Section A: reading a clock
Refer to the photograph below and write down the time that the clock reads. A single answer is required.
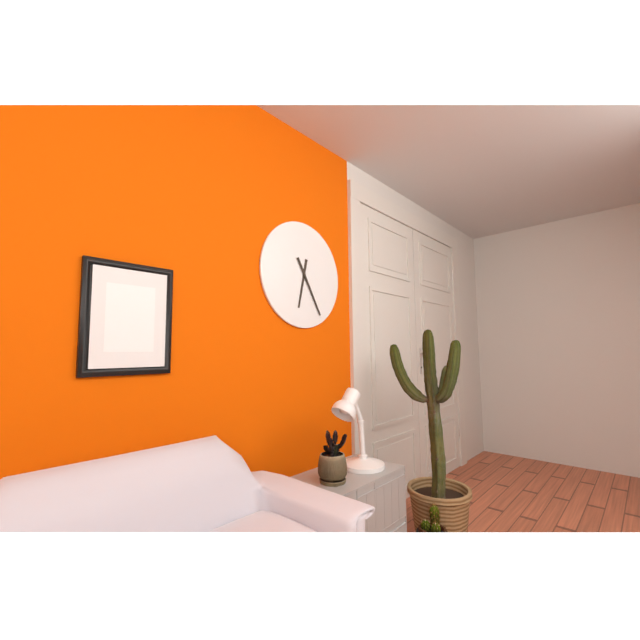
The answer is 6:25
